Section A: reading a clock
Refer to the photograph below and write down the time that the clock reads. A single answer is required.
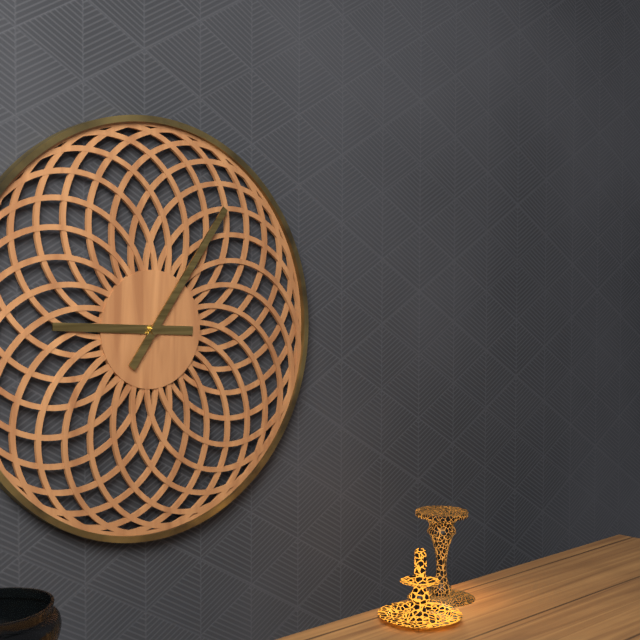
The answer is 9:06
